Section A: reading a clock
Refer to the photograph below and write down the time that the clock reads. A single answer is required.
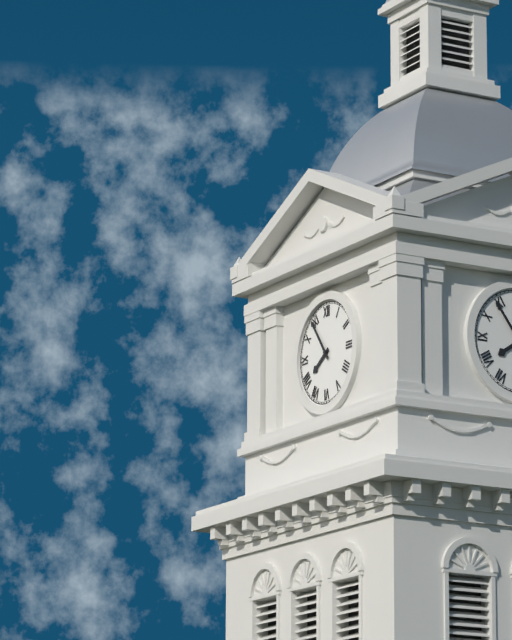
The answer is 7:54
